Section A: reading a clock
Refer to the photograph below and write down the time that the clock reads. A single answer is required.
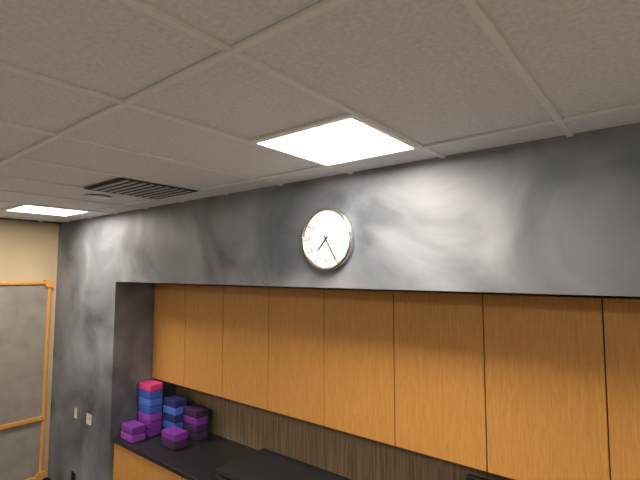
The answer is 7:25
